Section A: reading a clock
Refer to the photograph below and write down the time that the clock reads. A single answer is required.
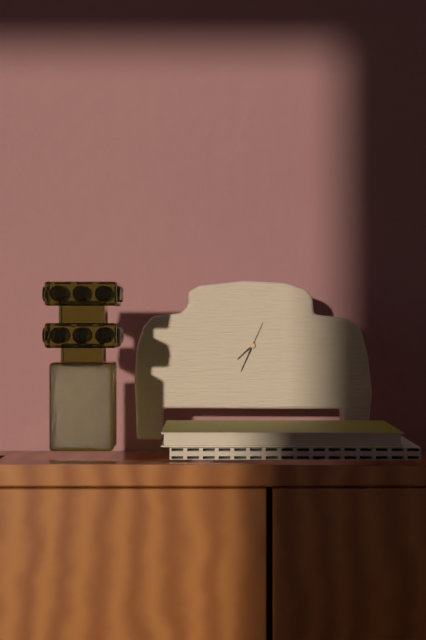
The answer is 7:34
